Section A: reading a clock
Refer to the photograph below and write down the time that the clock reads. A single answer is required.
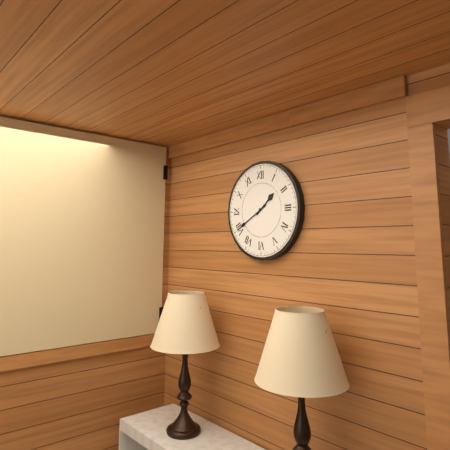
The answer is 1:40
